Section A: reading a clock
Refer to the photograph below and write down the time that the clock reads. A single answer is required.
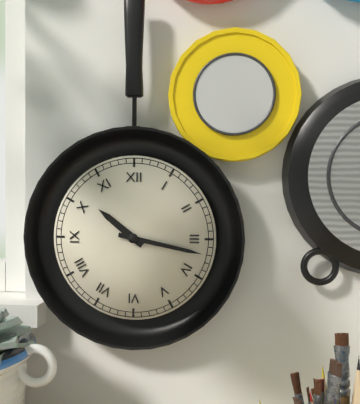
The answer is 10:17
